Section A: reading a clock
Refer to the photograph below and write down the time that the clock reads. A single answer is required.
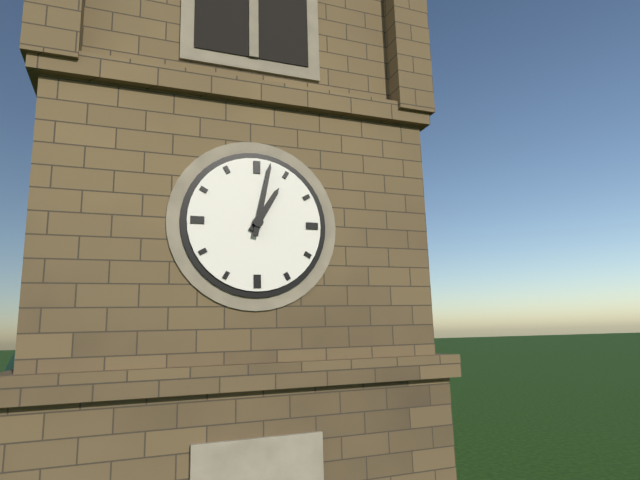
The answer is 1:02
